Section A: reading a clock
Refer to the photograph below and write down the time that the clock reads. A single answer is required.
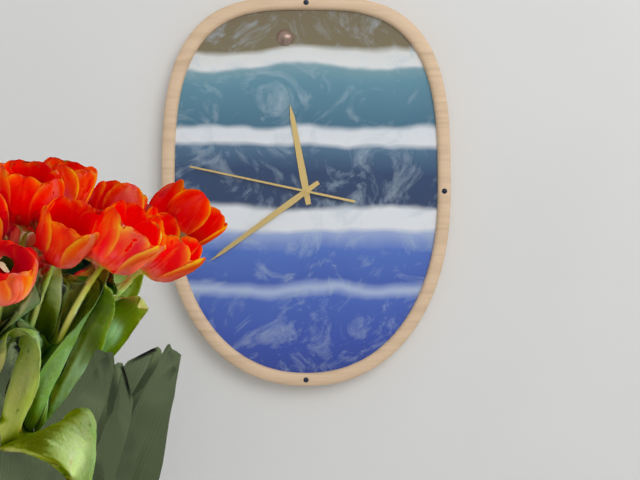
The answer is 11:39:47
